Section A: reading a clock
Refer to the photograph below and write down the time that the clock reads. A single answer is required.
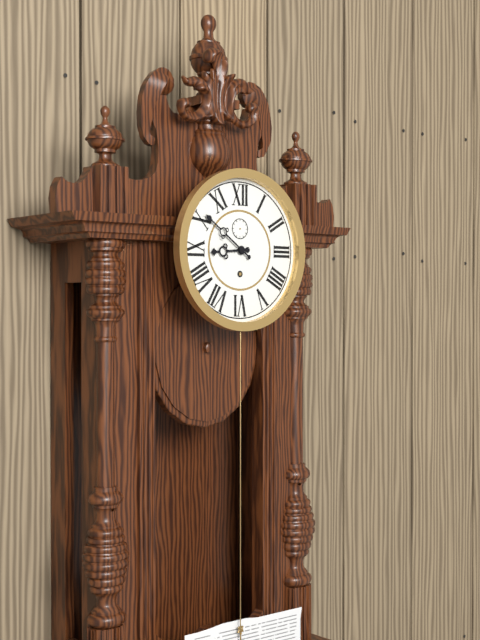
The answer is 8:51
